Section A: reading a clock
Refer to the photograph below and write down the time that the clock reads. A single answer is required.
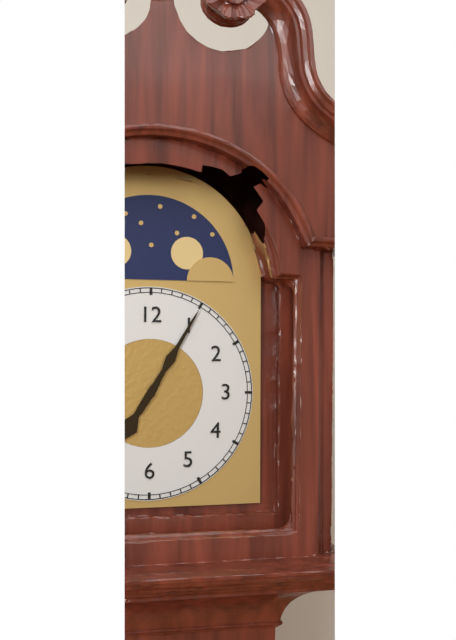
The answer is 7:05
